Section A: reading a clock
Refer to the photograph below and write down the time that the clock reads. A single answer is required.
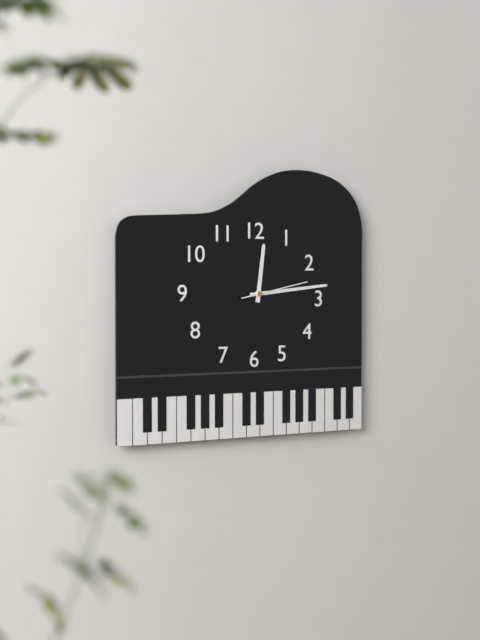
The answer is 12:14:13
